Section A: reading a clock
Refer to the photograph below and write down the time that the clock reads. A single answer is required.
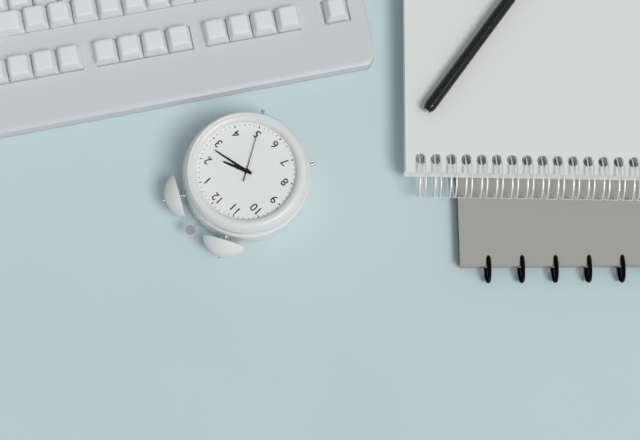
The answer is 2:13:25
